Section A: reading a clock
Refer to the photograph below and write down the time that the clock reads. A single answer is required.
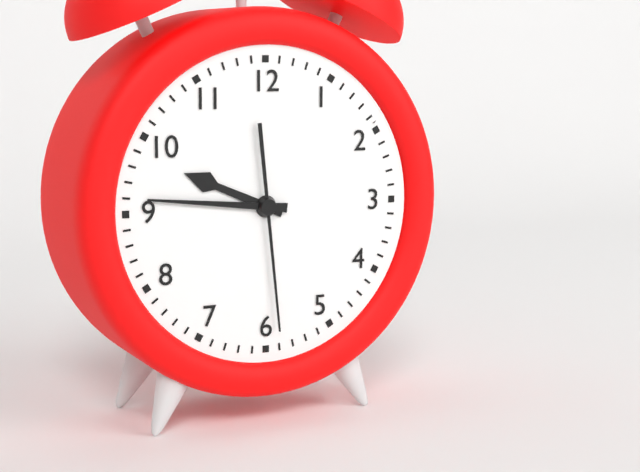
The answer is 9:46:29
